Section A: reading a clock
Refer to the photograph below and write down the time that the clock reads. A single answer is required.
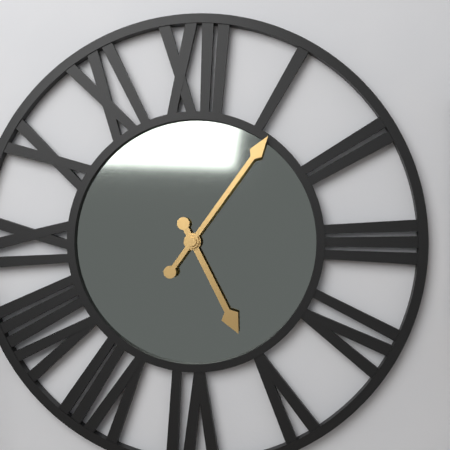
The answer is 5:06
